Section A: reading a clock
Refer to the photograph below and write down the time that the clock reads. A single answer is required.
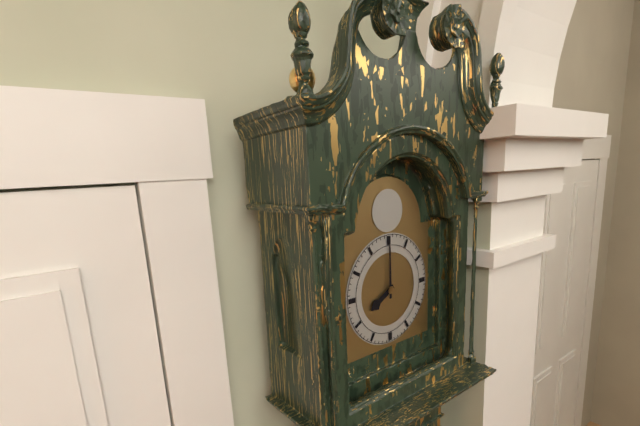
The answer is 8:00
